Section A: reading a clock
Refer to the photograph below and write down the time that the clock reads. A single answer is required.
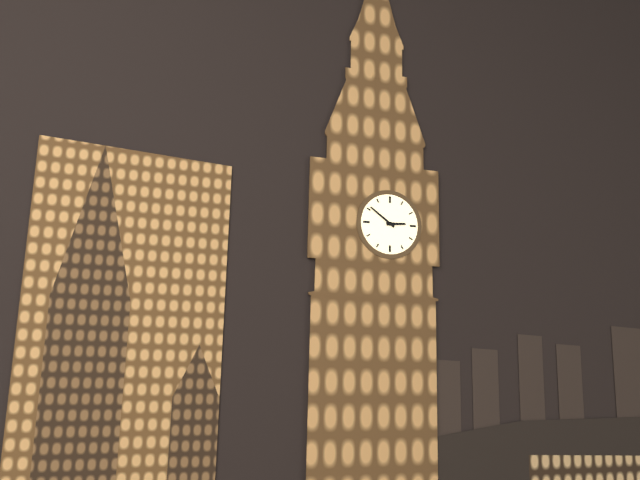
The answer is 2:51
